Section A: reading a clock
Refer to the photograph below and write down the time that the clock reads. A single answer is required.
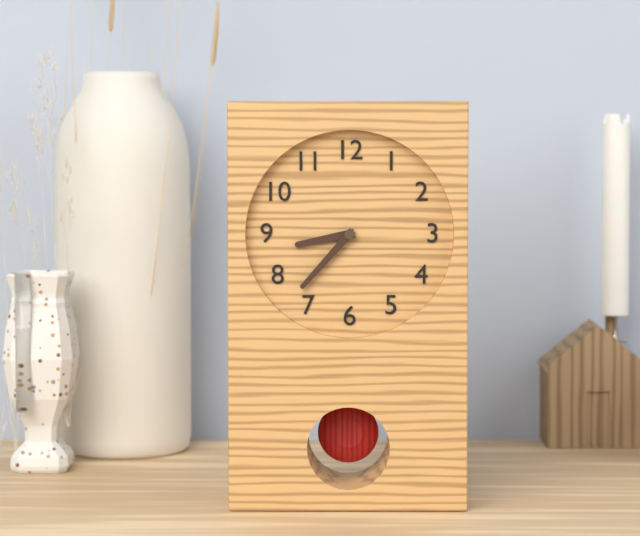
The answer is 8:37
